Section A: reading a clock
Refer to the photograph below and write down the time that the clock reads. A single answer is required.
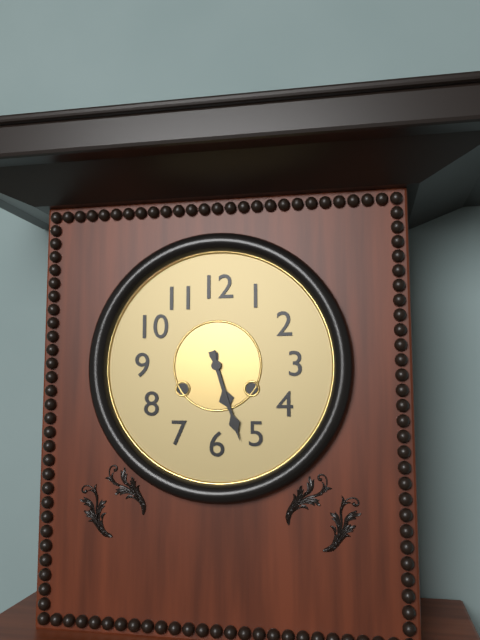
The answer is 5:27
